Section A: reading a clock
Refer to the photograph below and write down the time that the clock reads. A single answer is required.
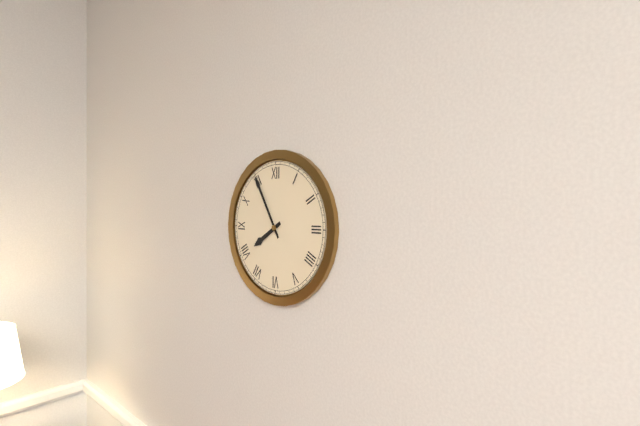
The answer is 7:55
